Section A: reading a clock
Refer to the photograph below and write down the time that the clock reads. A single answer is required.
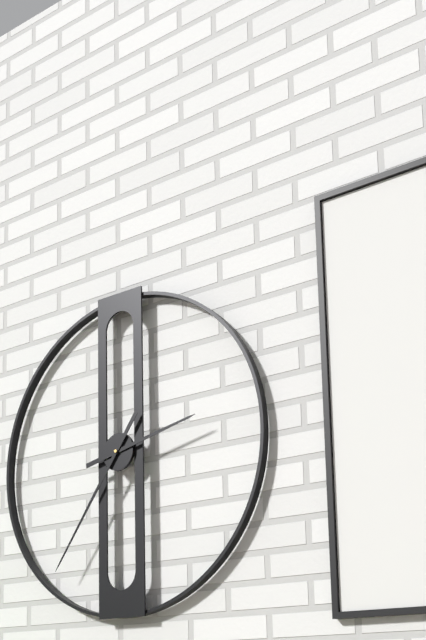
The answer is 2:36
